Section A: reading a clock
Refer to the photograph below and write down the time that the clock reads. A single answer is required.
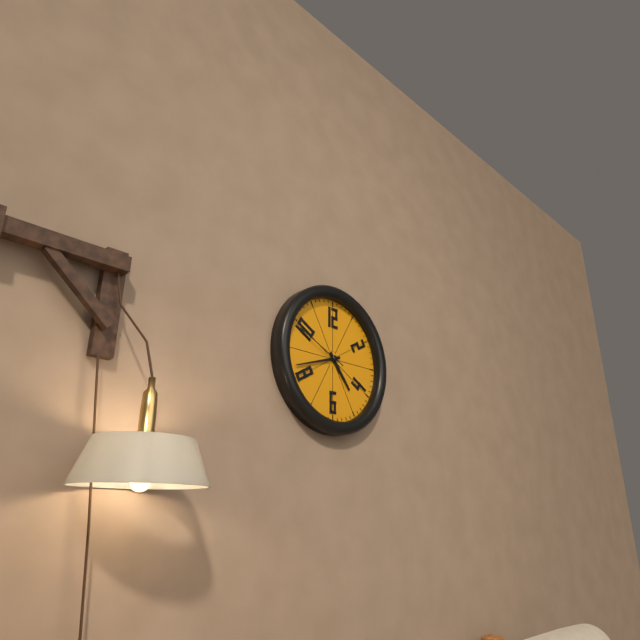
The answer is 4:42:49
